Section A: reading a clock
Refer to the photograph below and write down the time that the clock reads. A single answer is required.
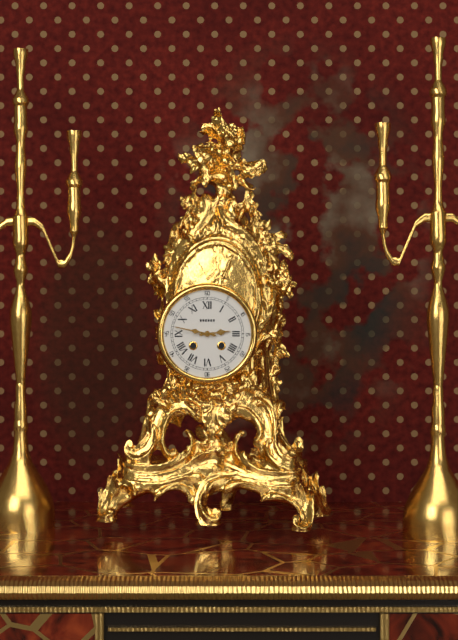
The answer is 2:47
